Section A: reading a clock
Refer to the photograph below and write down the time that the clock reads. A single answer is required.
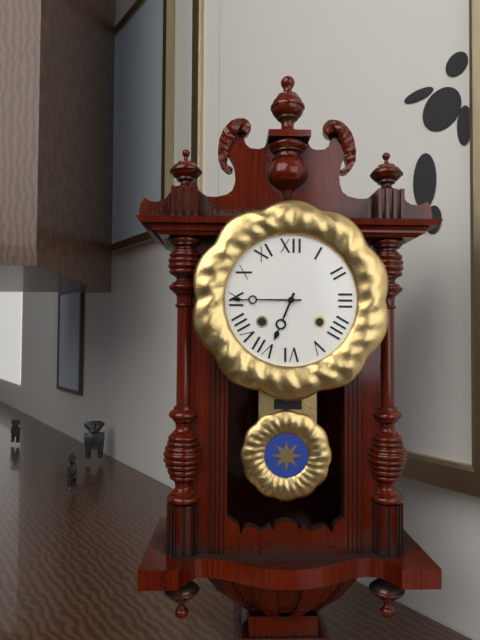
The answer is 6:45
